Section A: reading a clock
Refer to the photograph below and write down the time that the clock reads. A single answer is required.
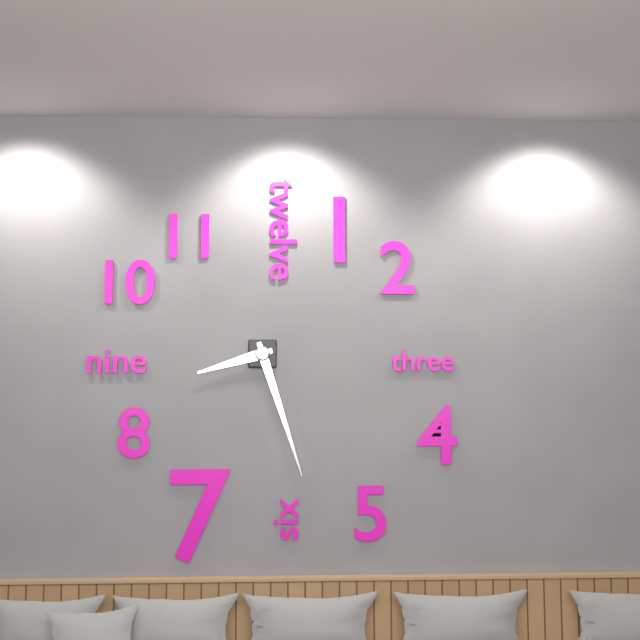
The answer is 8:27
